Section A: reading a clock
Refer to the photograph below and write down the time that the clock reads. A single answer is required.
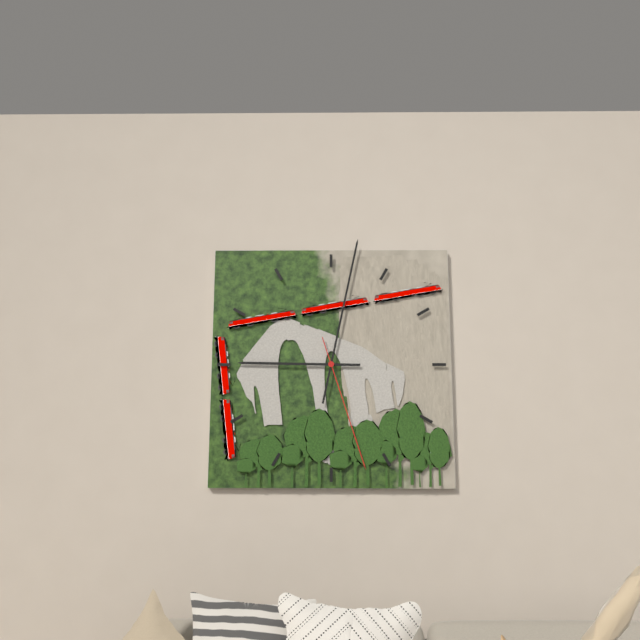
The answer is 9:02:27
